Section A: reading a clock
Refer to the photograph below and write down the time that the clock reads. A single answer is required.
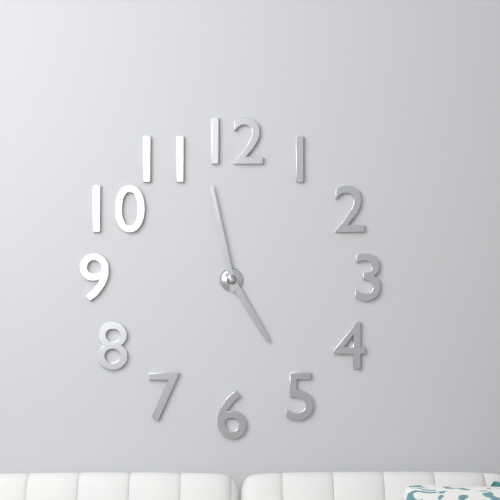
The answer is 4:58
